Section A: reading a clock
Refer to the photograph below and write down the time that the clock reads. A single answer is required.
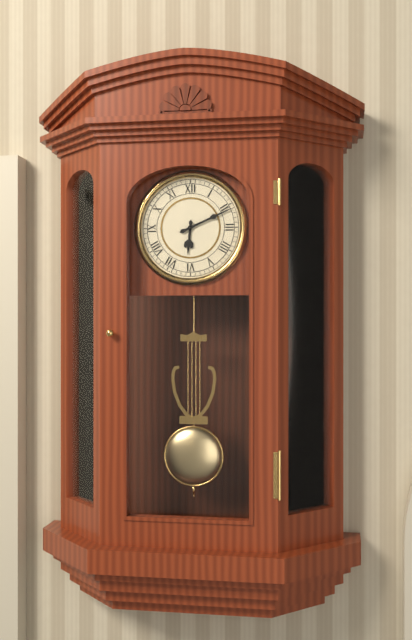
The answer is 6:11
